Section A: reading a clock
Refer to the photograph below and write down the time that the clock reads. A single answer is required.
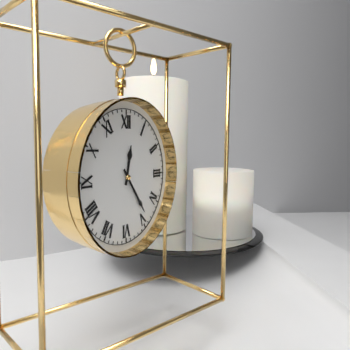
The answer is 12:24
